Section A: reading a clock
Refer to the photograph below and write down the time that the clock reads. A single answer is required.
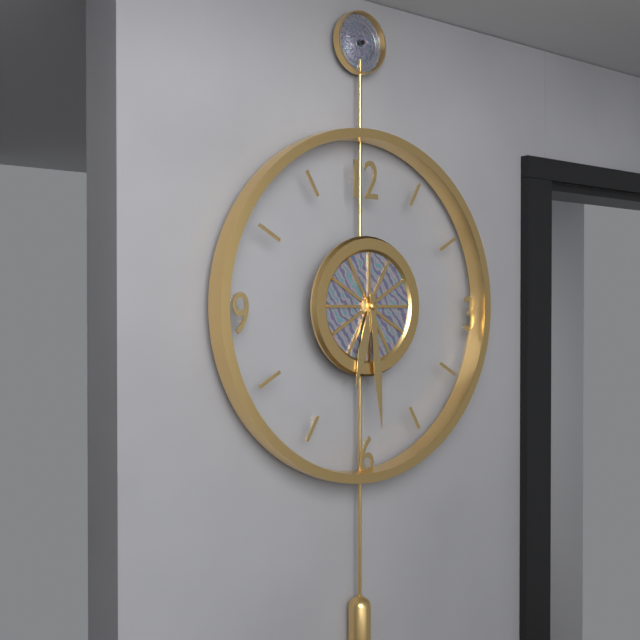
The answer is 6:29
